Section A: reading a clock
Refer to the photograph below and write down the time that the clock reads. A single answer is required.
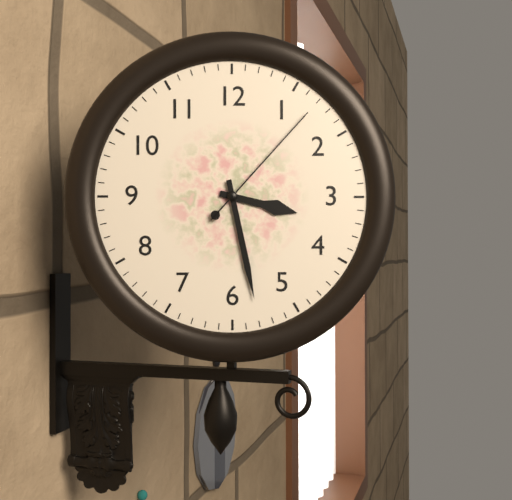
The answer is 3:28:07
